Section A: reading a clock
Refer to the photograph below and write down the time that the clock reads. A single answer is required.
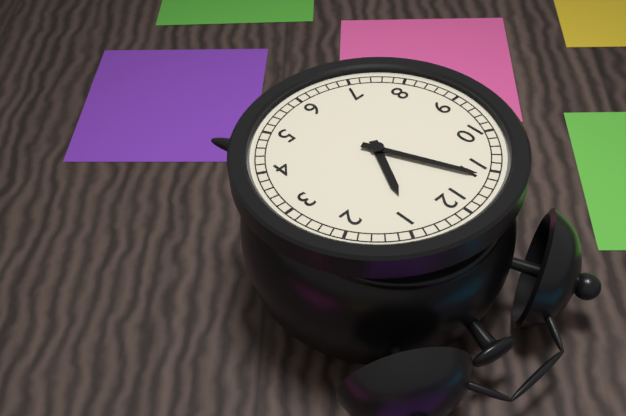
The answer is 12:56
